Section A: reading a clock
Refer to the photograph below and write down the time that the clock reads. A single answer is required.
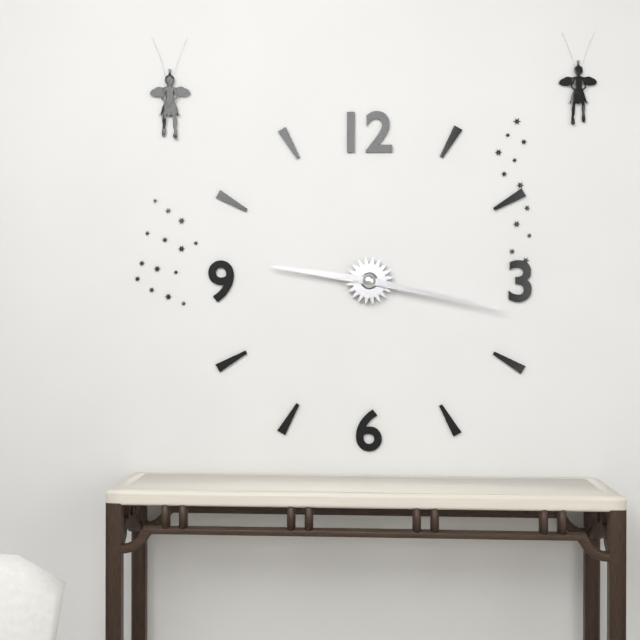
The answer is 9:17
